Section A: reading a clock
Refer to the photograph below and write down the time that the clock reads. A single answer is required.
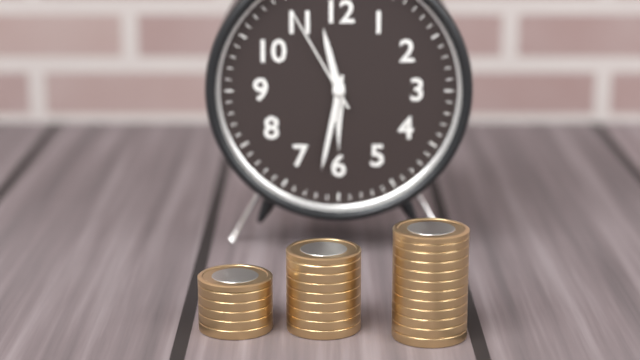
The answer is 11:32:55
